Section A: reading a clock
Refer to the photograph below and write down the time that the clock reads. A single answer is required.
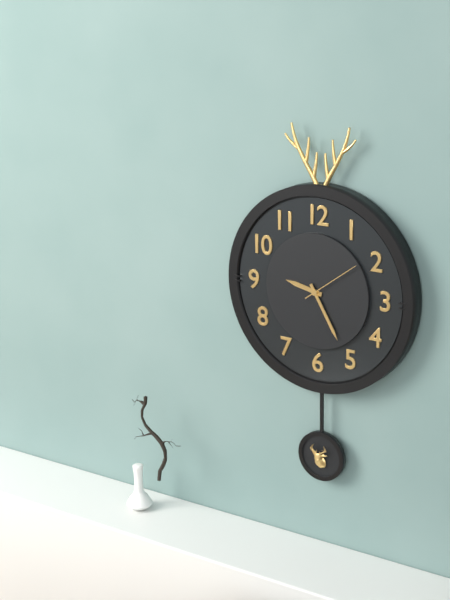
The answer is 9:25
